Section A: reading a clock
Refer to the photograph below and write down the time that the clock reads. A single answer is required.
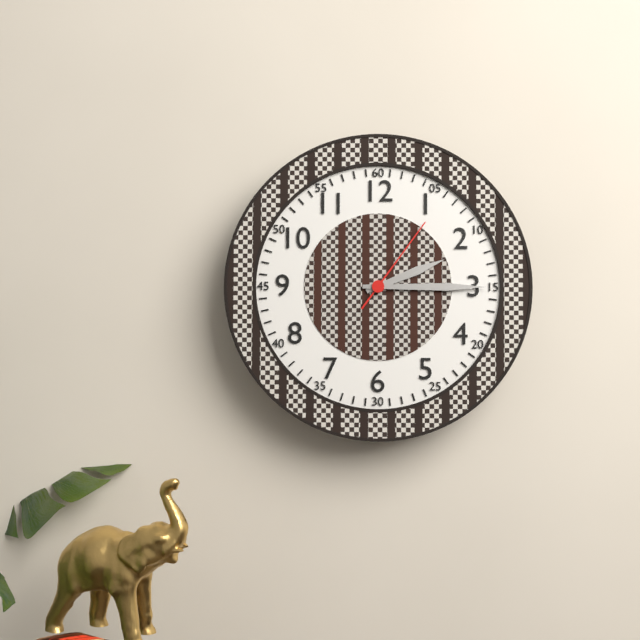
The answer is 2:15:06
